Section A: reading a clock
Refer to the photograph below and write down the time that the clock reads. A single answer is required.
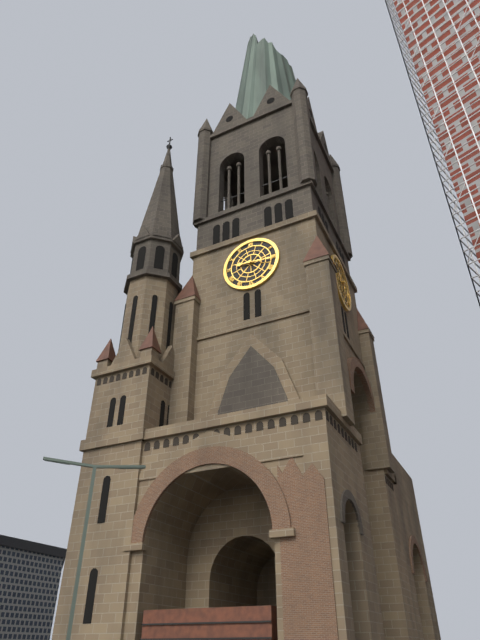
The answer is 9:16
